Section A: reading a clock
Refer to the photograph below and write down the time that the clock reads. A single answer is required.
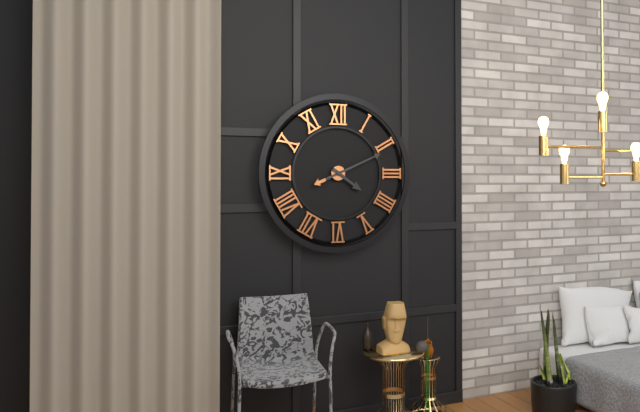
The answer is 4:11
